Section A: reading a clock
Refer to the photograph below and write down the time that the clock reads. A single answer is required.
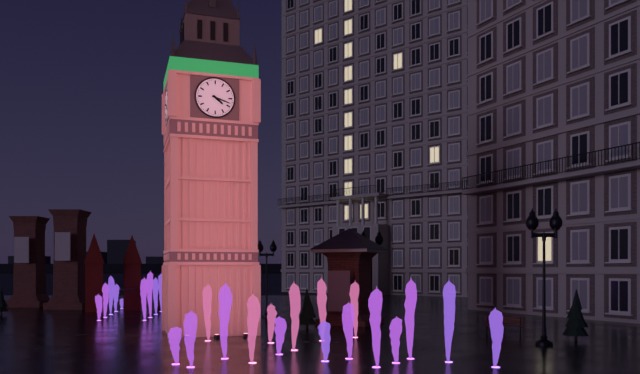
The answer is 4:18
